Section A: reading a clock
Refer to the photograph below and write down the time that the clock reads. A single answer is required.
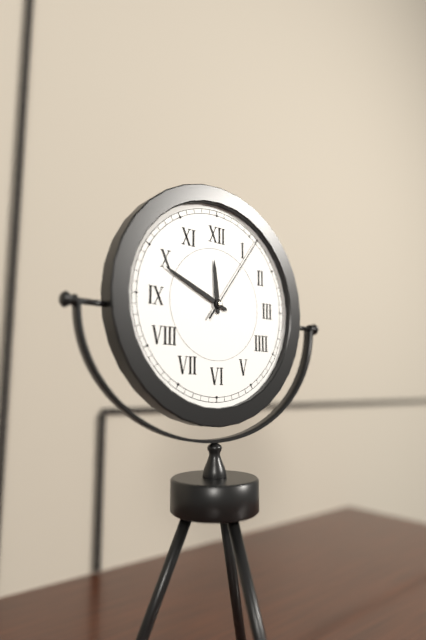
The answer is 11:49:06
